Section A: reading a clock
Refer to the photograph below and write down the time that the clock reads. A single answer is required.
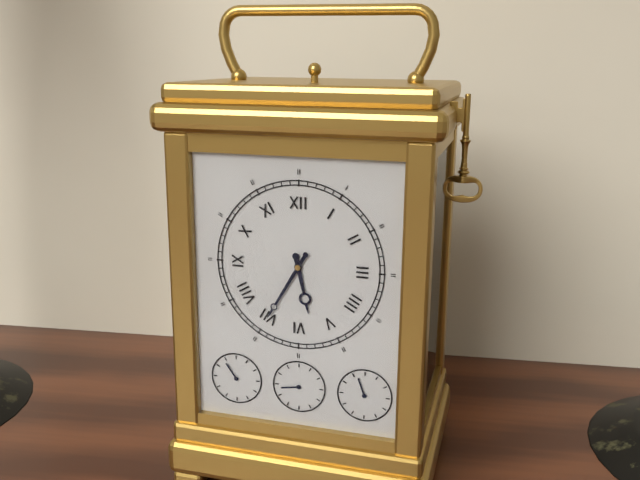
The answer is 5:35
